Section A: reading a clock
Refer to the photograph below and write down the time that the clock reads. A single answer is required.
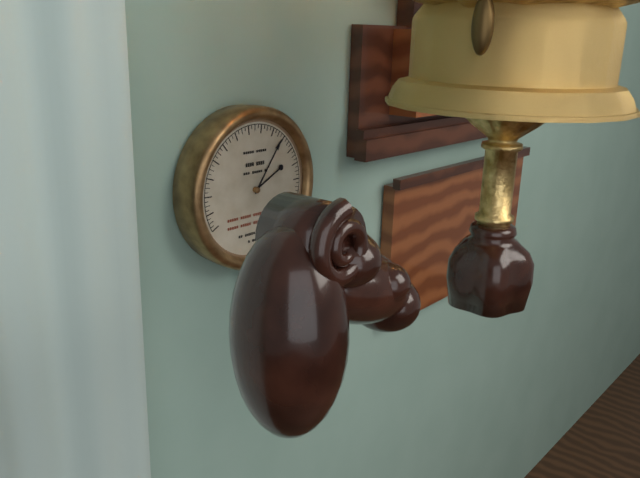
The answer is 2:06
